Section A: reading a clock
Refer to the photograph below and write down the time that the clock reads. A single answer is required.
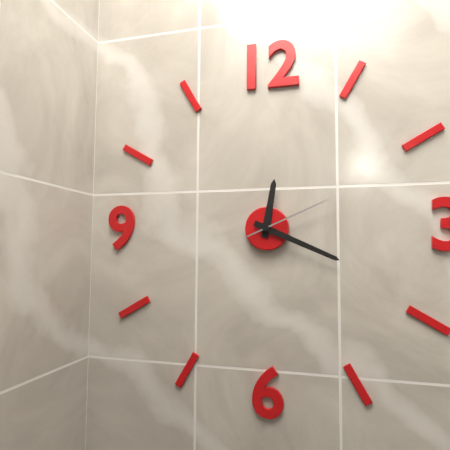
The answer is 12:19:11
